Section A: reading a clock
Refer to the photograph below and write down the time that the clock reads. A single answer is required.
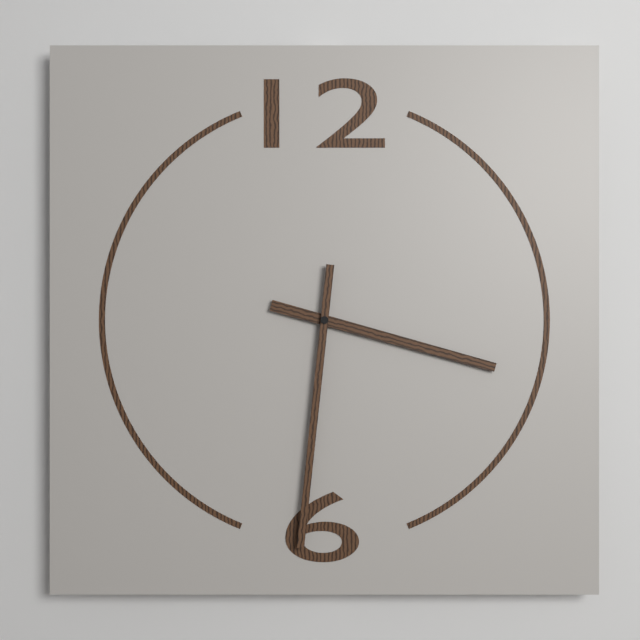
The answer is 3:31
